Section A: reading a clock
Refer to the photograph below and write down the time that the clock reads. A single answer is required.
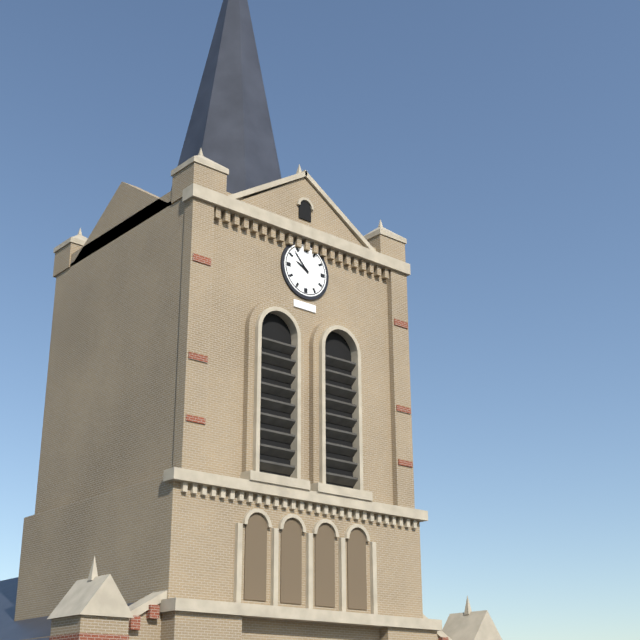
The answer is 9:53
